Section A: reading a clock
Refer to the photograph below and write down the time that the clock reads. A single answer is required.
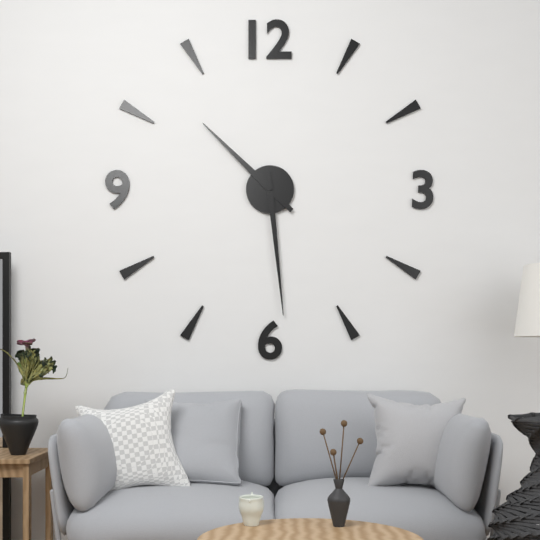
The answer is 10:29
